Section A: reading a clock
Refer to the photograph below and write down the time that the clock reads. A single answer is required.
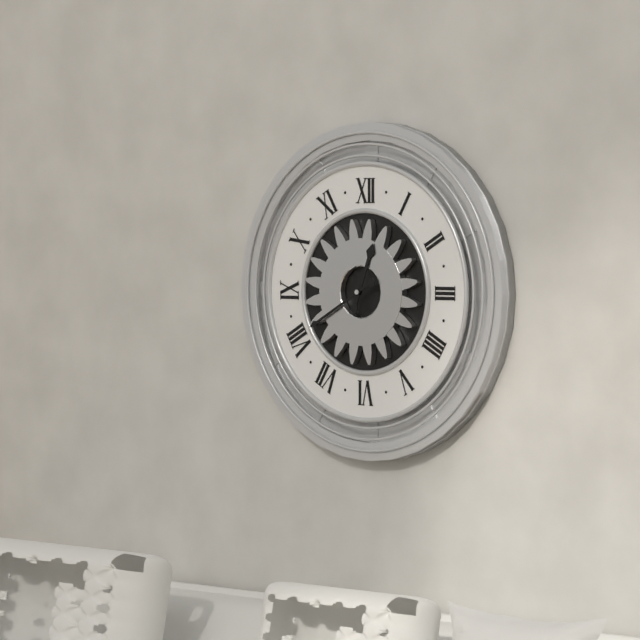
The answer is 12:40
